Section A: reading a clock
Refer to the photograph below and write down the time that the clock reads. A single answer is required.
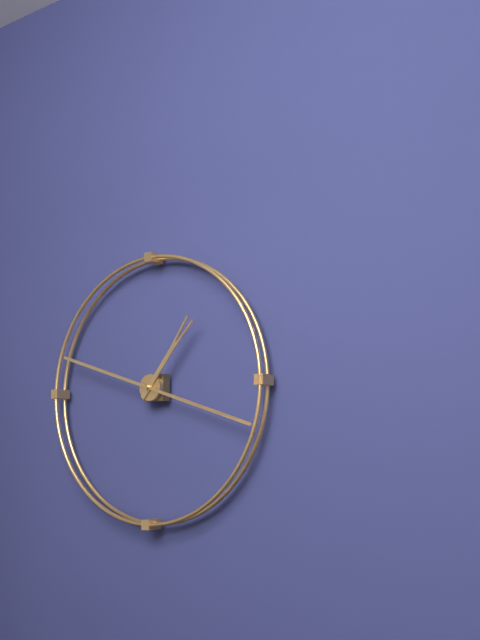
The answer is 1:18
